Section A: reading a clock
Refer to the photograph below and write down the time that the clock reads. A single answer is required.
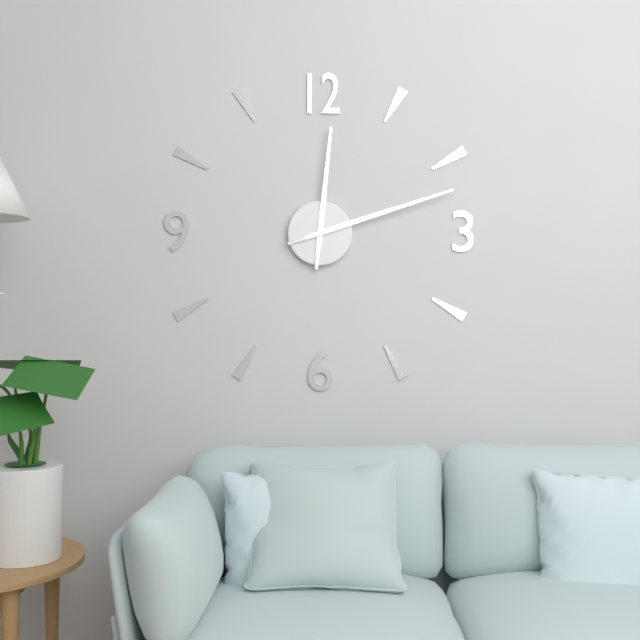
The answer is 12:12
